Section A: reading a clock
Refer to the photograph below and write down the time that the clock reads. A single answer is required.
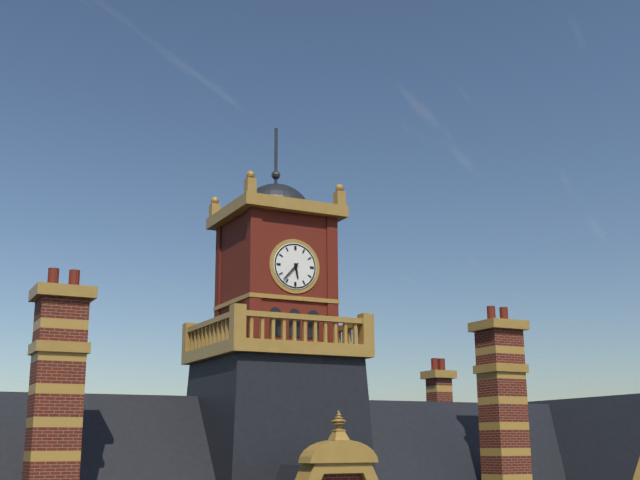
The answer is 5:37
